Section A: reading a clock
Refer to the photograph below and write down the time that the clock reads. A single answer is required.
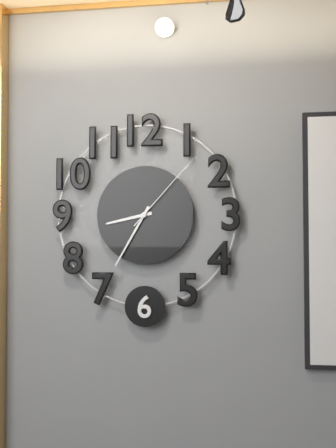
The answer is 8:35:07
